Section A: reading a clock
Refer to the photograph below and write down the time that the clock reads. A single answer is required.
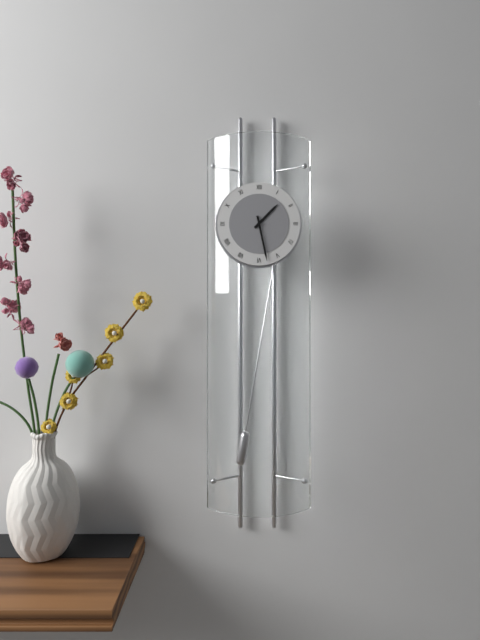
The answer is 1:28
